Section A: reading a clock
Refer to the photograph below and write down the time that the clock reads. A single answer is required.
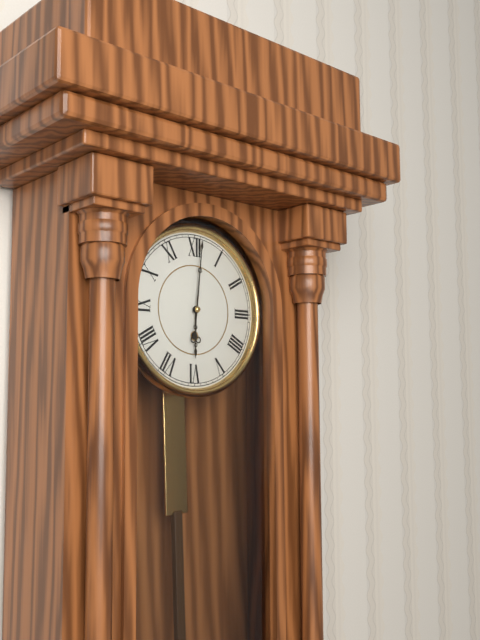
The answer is 6:01
